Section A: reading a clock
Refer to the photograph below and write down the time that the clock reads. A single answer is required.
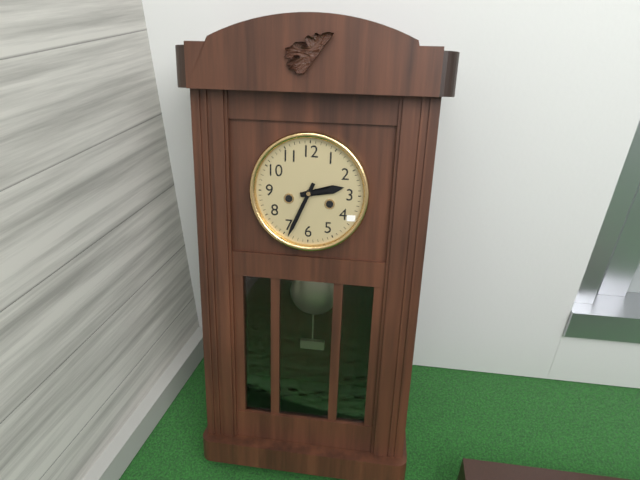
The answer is 2:34
